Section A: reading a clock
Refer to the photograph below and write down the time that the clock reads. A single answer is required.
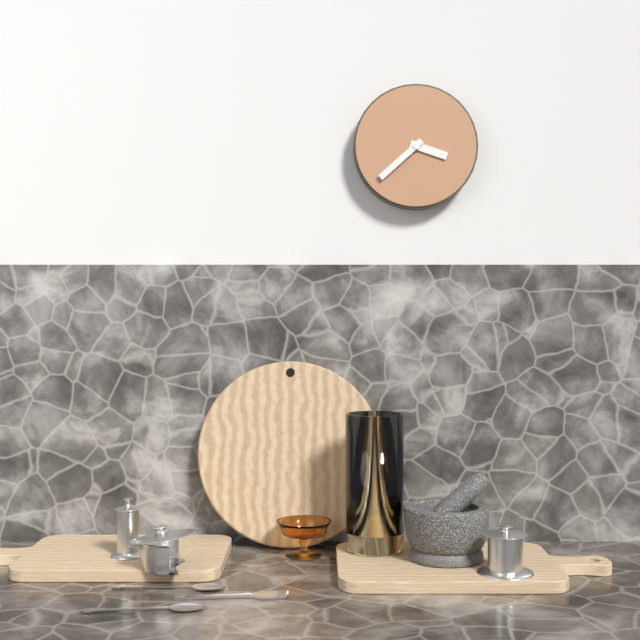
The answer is 3:38
